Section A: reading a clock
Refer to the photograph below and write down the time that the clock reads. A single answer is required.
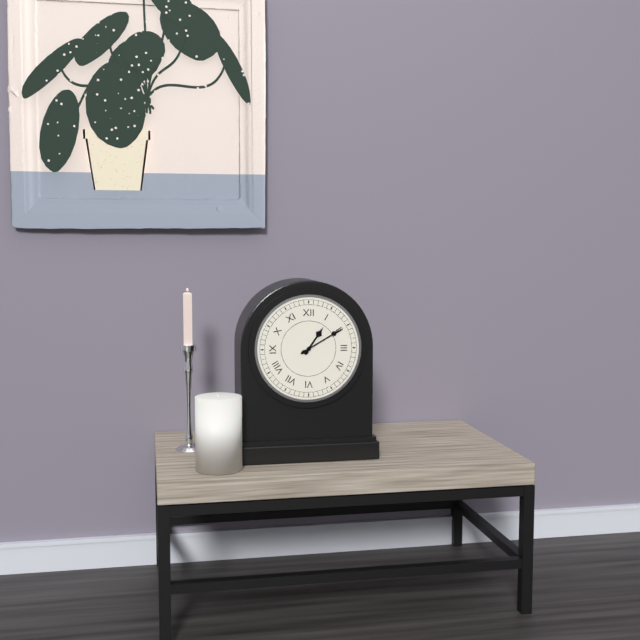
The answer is 1:10
